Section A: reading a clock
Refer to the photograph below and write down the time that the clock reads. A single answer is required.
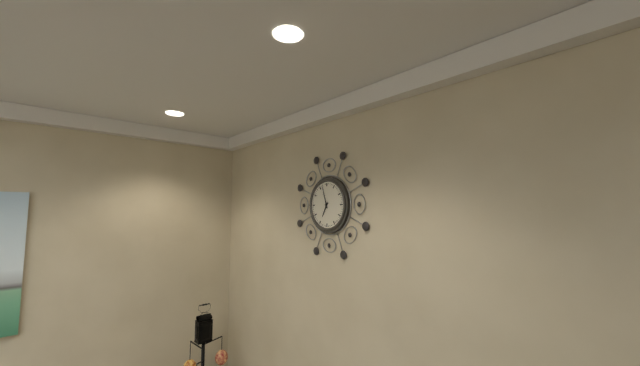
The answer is 6:57
